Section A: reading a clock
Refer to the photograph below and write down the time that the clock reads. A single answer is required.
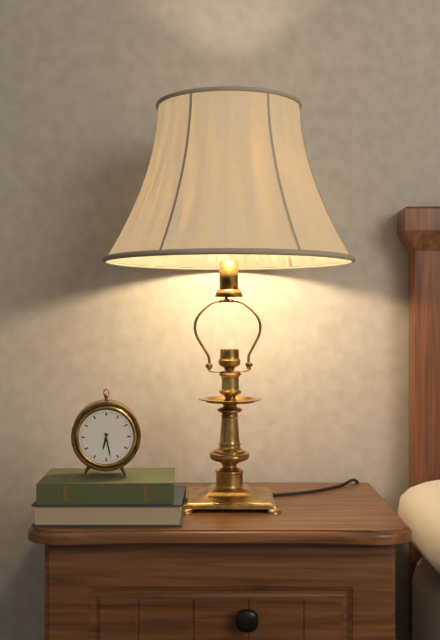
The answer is 6:28
